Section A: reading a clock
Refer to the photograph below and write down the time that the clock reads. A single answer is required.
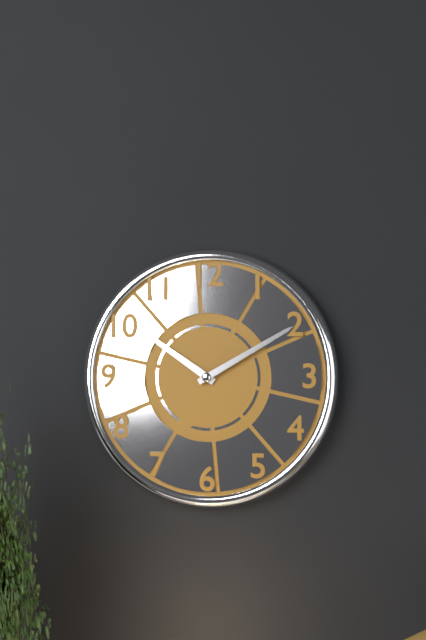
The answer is 10:10
